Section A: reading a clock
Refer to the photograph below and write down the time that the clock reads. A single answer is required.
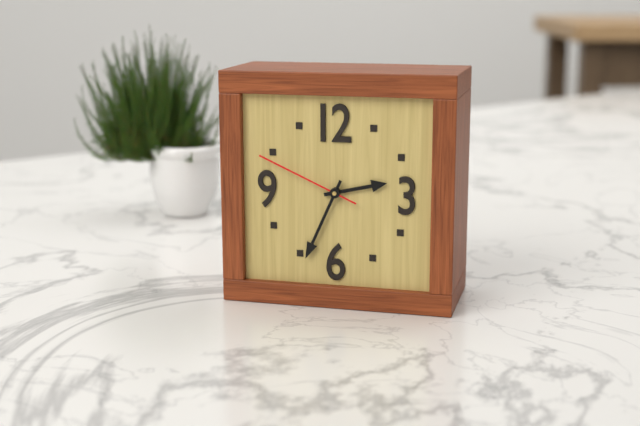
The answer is 2:34:49
